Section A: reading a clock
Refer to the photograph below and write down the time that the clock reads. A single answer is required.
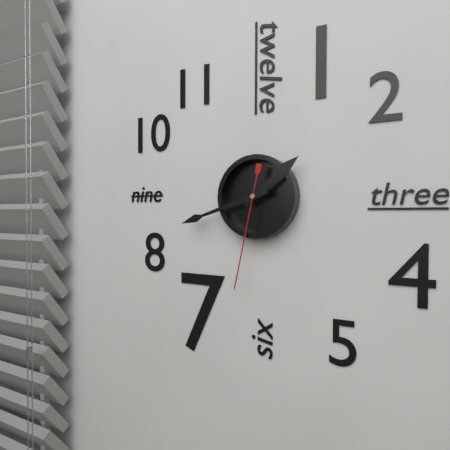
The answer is 1:42:32
